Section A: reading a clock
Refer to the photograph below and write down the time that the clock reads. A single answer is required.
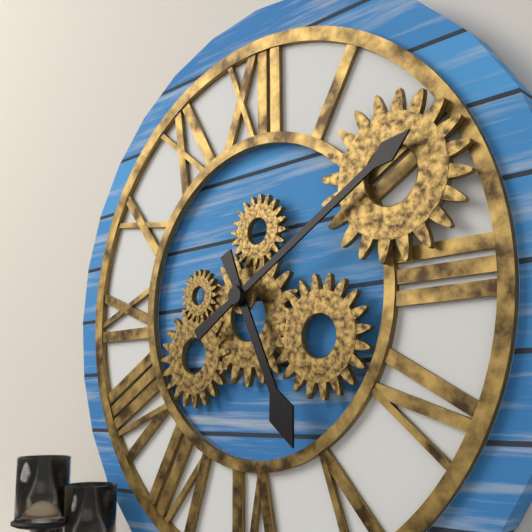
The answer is 5:10
